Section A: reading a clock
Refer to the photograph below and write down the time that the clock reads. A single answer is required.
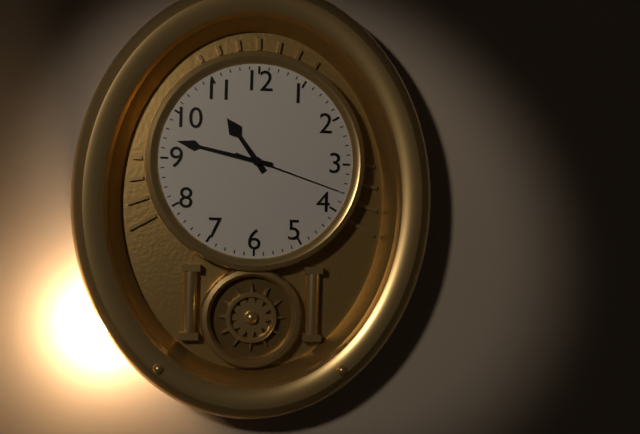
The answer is 10:47:18
